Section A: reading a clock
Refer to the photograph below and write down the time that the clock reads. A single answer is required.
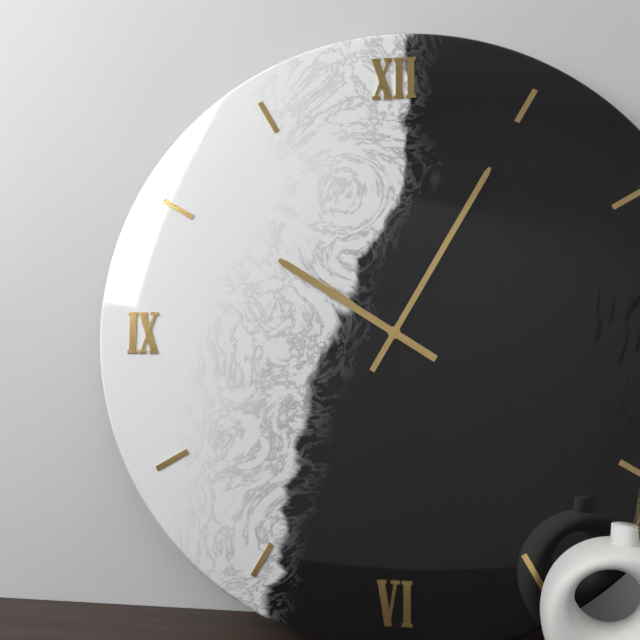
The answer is 10:05:51
